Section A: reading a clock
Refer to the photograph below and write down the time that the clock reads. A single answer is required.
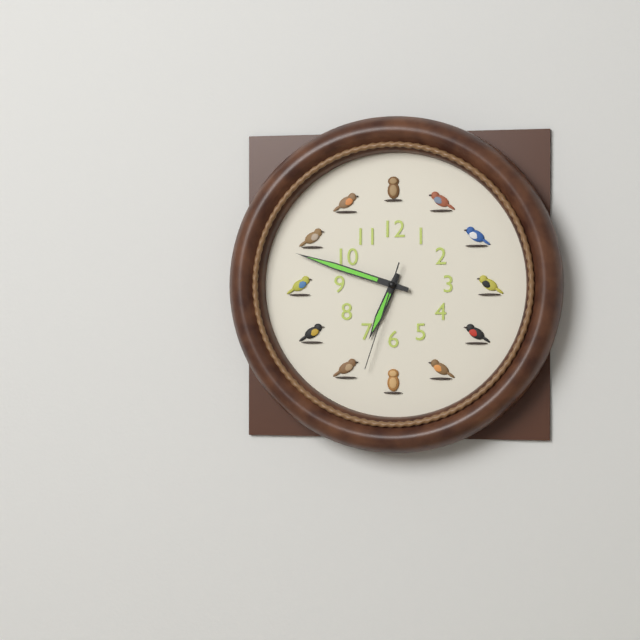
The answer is 6:48:33
